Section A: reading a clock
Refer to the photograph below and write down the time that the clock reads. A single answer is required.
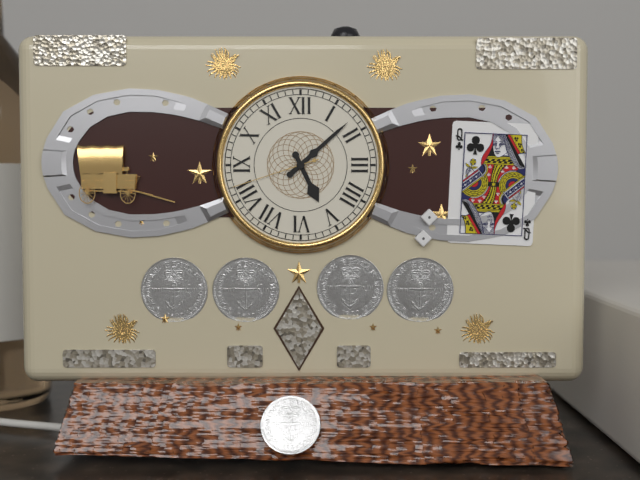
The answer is 5:08:42
